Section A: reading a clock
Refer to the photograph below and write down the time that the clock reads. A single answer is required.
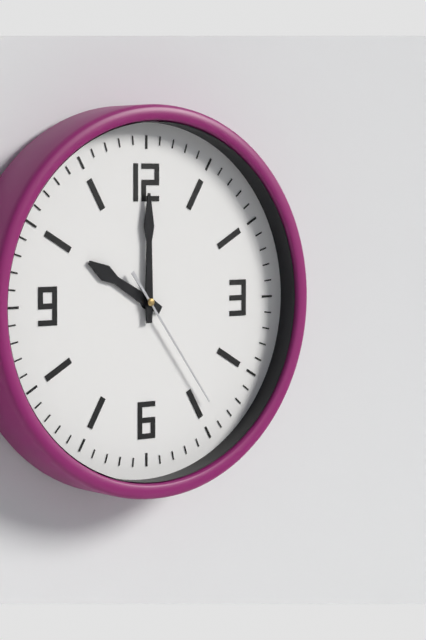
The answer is 10:00:24
